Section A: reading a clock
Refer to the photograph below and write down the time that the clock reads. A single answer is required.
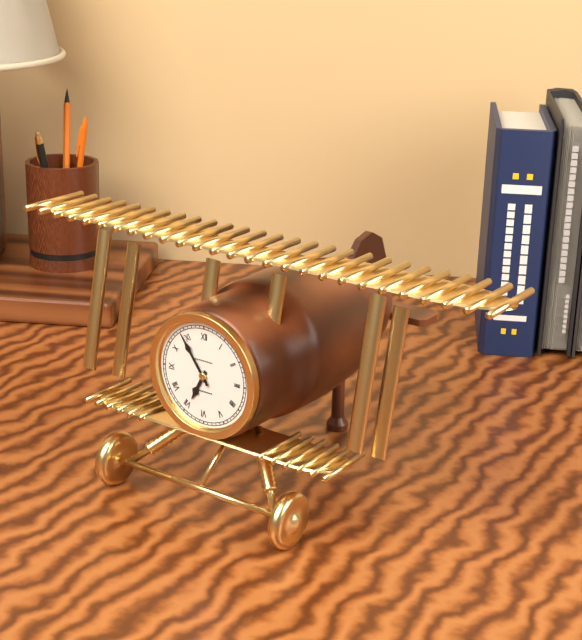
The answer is 6:54
